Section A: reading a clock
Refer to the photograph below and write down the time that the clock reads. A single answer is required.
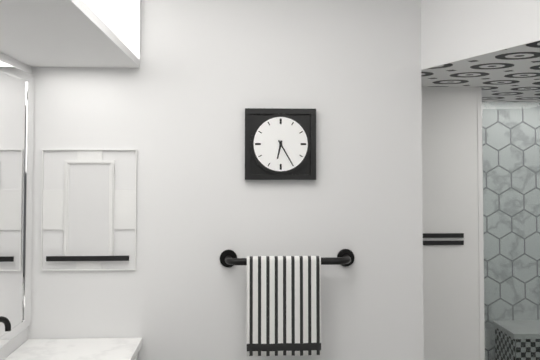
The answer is 6:25
